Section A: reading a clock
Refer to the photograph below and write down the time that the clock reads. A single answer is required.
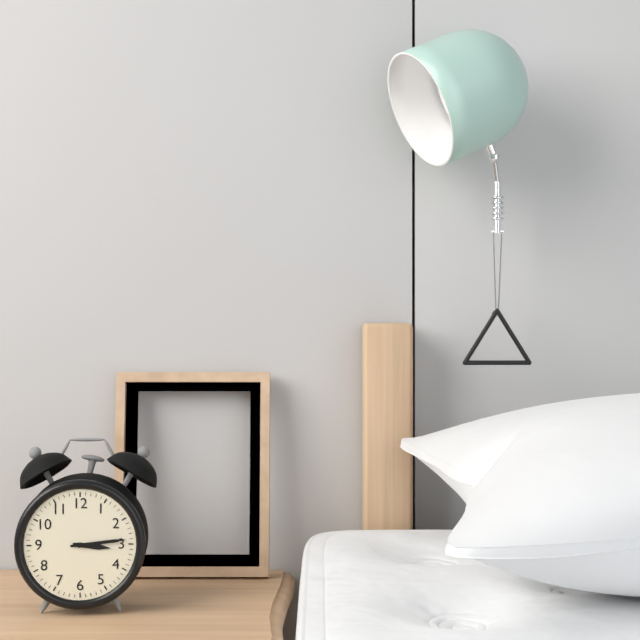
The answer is 3:14
